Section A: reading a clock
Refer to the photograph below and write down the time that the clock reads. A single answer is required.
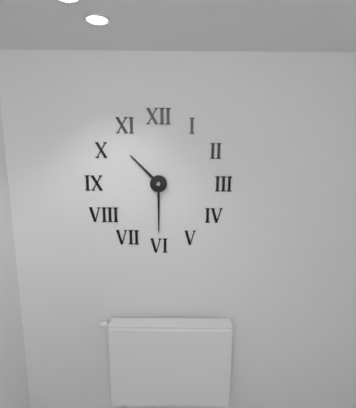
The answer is 10:30
